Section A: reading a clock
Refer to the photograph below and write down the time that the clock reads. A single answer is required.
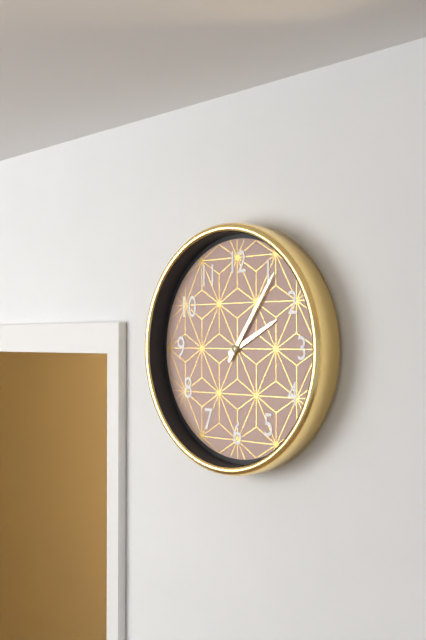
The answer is 2:06
